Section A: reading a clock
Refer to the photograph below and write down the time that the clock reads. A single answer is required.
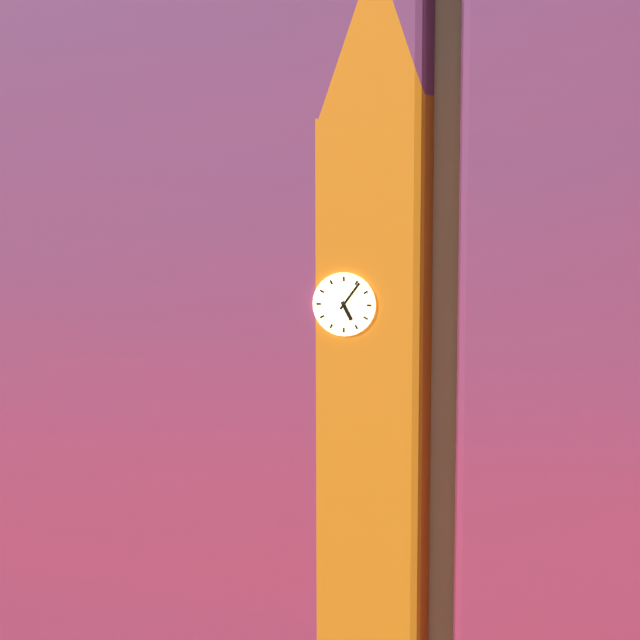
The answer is 5:06
